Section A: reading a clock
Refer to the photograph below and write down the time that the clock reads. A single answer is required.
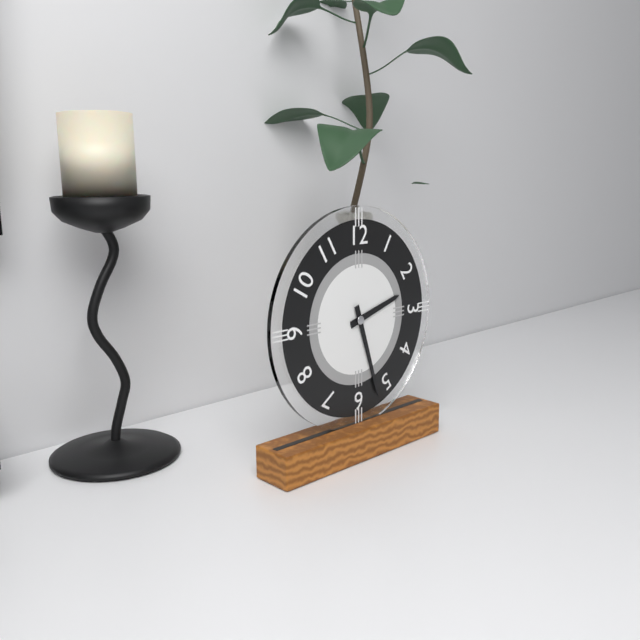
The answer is 2:27
